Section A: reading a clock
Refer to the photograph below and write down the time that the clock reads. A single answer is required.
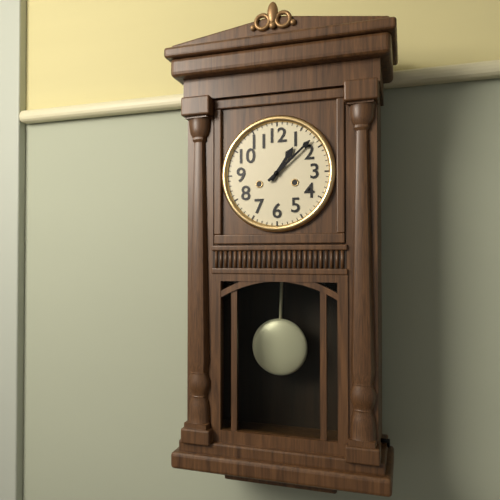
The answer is 1:08
